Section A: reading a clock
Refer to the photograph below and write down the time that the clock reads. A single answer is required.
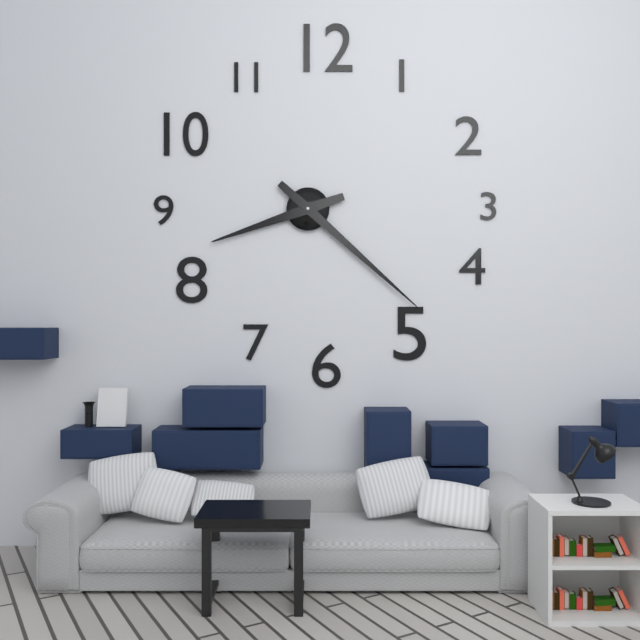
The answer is 8:22
